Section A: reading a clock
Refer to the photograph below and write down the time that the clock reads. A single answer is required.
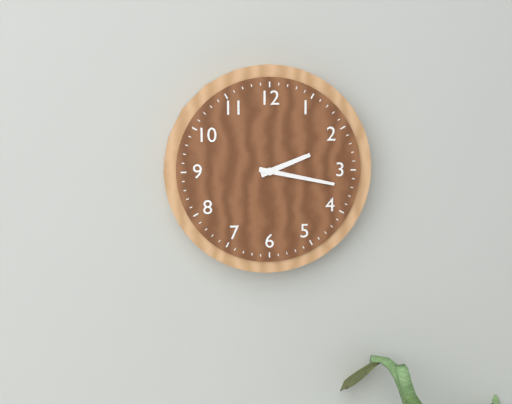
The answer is 2:17
